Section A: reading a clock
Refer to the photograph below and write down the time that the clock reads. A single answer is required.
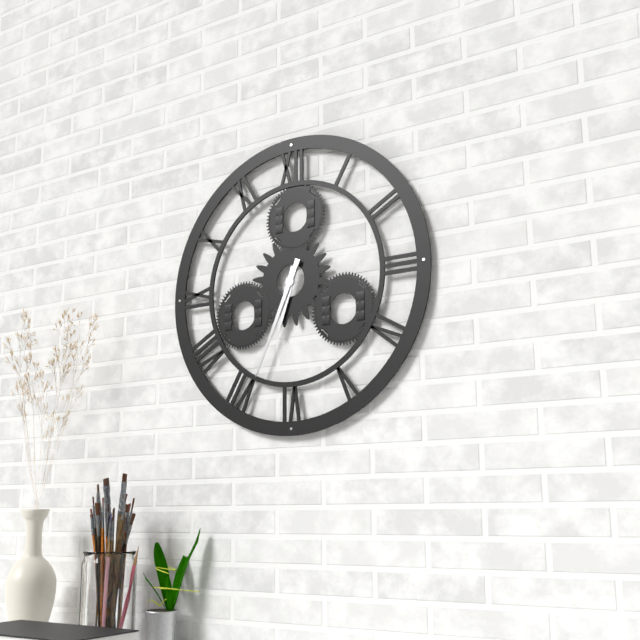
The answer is 6:34
